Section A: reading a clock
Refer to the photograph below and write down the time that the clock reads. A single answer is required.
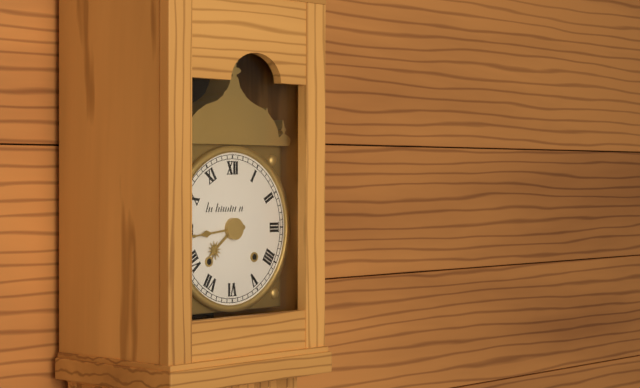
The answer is 7:44
